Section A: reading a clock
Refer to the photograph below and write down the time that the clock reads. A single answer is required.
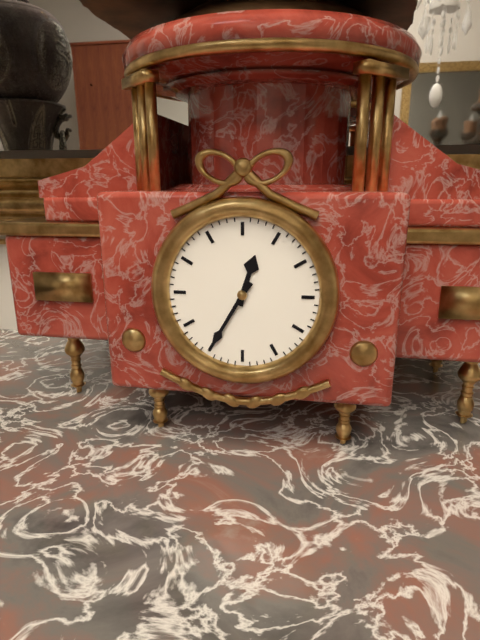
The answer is 12:35
